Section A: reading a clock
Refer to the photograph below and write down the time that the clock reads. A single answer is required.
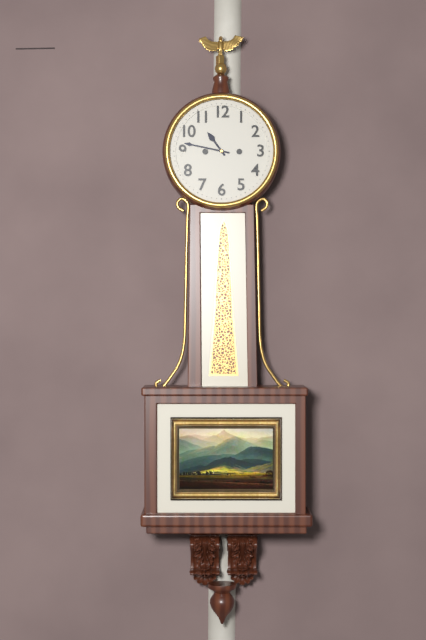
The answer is 10:47
